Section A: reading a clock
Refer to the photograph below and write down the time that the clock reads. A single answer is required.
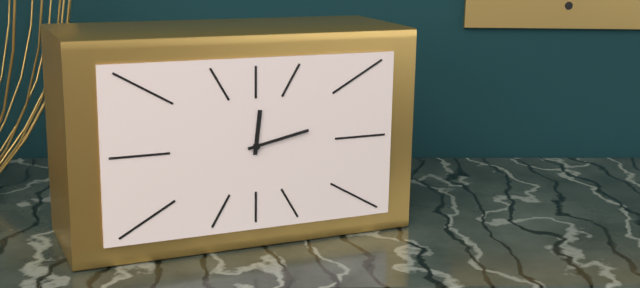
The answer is 12:13
